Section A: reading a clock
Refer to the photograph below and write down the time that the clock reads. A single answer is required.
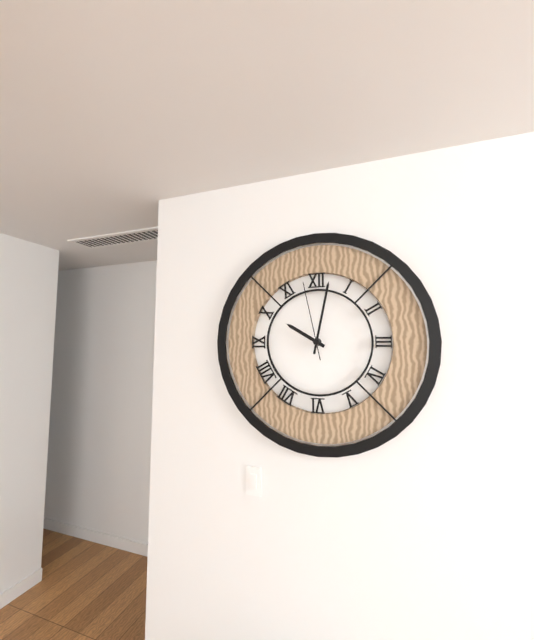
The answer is 10:02:58
